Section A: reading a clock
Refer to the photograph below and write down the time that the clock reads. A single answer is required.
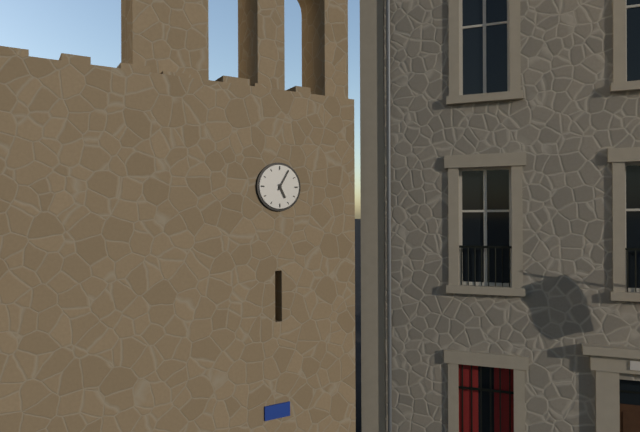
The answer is 5:05
